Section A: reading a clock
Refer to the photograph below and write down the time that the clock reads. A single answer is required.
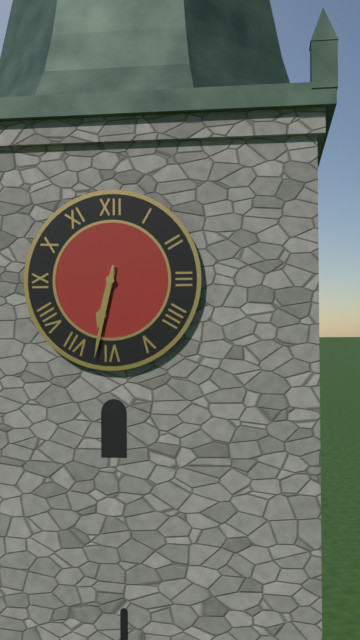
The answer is 6:32
